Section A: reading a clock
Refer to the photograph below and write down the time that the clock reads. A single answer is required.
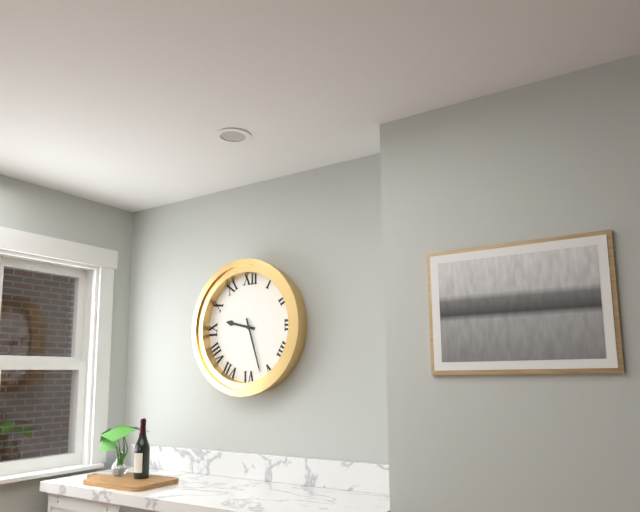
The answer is 9:27
